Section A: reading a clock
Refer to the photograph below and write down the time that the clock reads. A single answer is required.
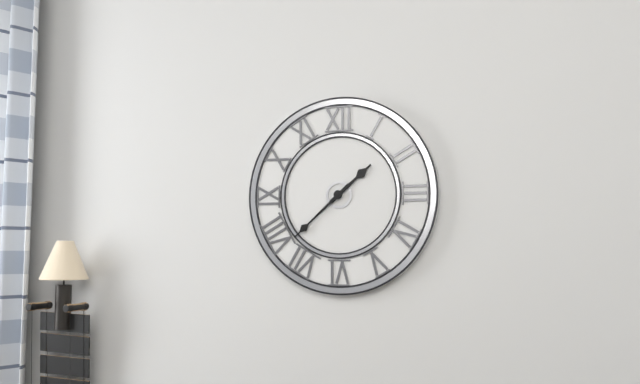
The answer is 1:38
